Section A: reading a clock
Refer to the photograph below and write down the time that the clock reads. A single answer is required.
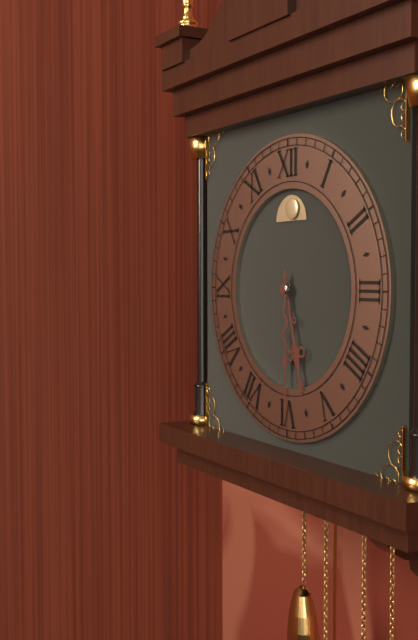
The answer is 5:30
